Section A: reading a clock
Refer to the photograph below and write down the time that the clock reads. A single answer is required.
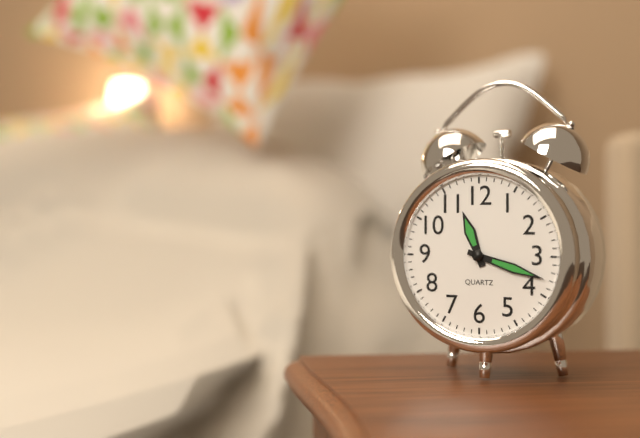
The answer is 11:18
